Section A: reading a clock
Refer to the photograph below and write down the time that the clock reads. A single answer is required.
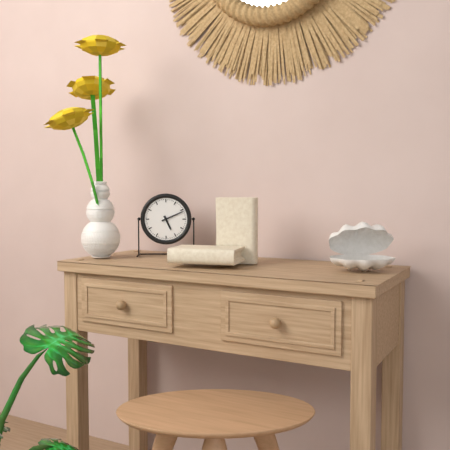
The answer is 5:11
